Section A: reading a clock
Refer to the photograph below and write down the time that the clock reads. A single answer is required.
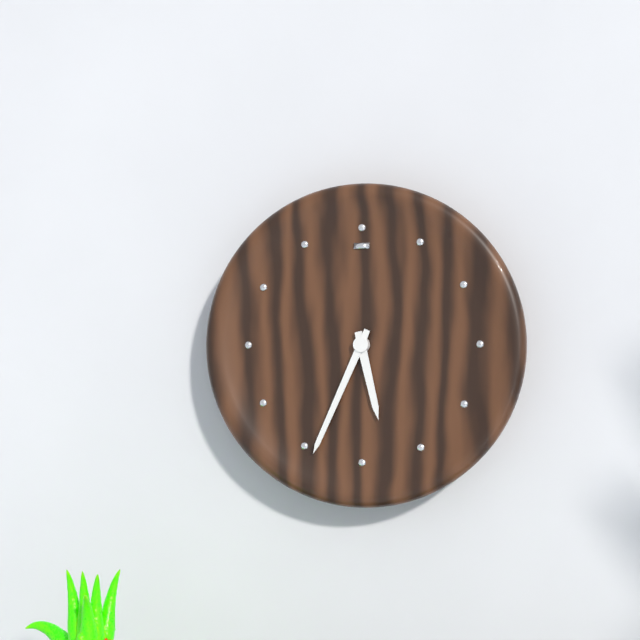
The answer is 5:34
